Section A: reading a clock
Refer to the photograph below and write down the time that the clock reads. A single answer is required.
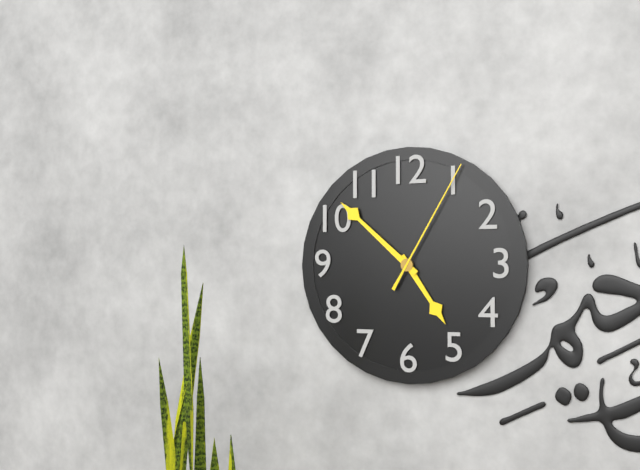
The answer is 4:52:05
